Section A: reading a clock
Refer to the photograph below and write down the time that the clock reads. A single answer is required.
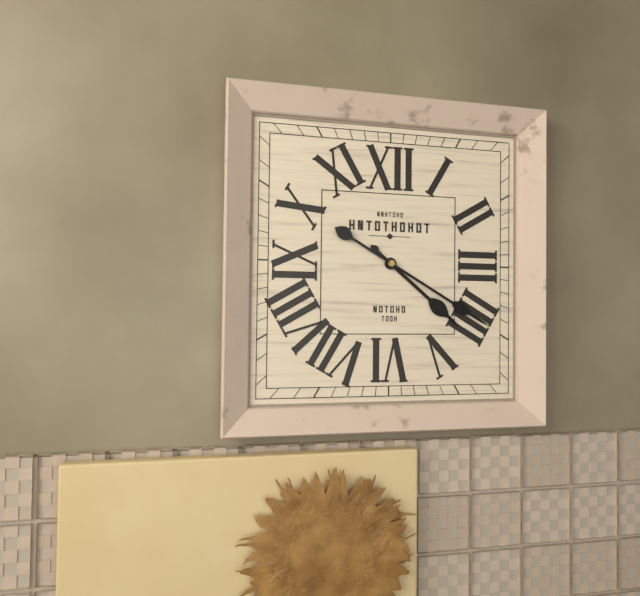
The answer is 4:20
